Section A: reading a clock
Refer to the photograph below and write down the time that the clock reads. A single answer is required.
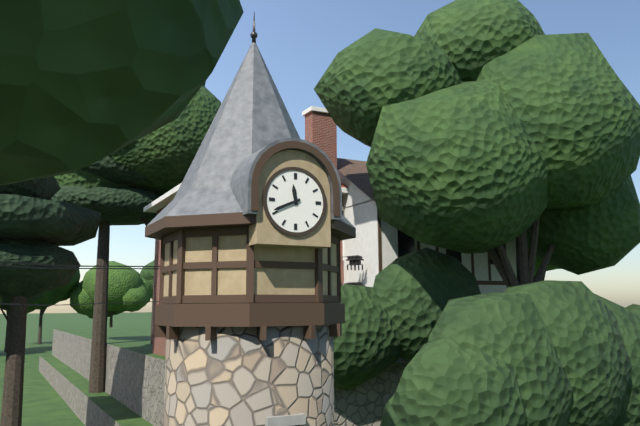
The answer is 11:41
